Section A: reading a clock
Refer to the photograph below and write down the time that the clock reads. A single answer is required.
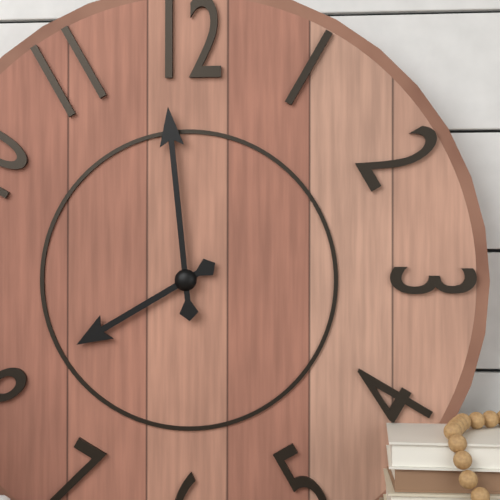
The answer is 7:59
